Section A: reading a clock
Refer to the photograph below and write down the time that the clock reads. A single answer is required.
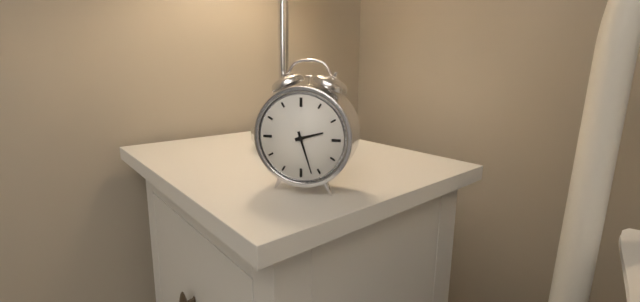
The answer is 2:27
